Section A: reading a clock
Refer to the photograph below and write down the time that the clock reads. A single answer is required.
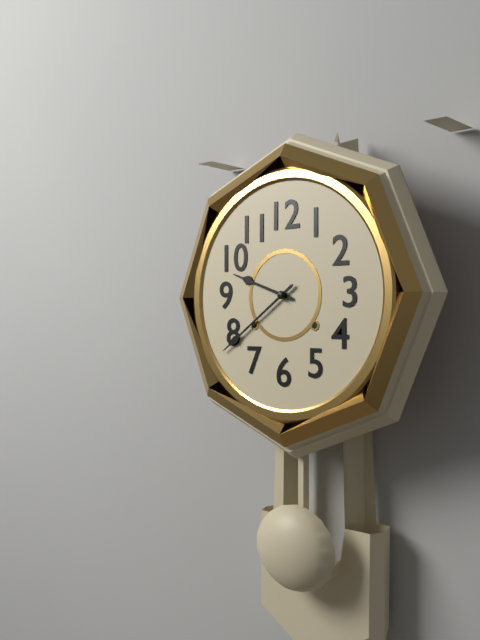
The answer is 9:39
